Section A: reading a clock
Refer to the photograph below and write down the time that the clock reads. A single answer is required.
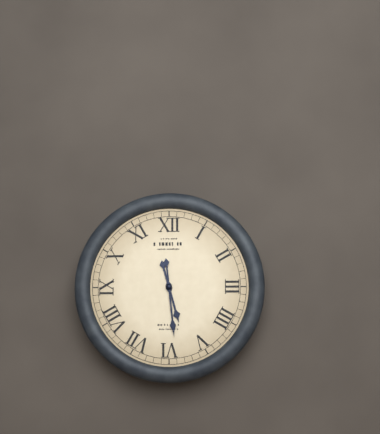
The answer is 5:29
